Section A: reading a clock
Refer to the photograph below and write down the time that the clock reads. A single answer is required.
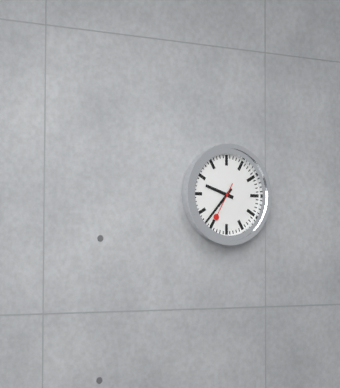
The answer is 9:37
